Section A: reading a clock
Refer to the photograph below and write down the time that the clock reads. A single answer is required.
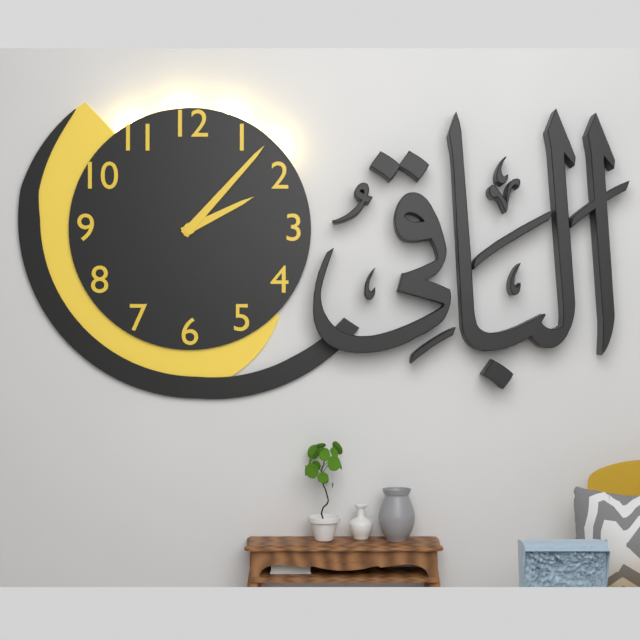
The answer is 2:07
